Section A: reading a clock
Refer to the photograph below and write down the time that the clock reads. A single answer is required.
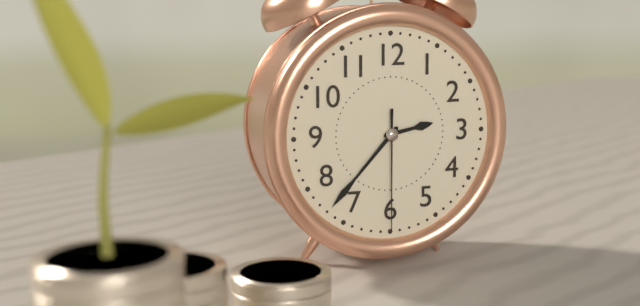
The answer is 2:37:30
